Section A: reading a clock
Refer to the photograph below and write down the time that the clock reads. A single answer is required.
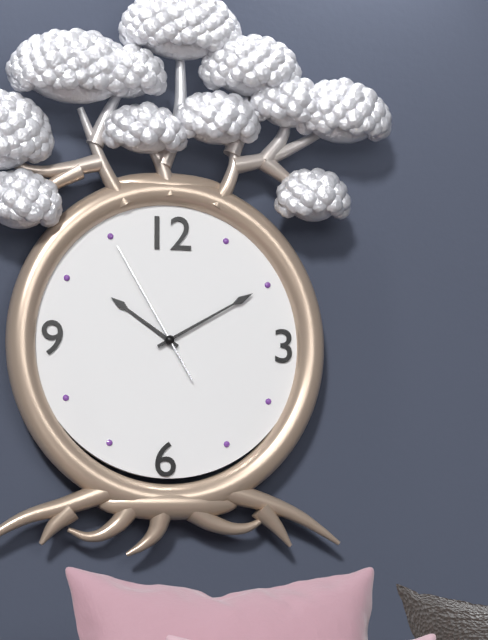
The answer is 10:10:55
